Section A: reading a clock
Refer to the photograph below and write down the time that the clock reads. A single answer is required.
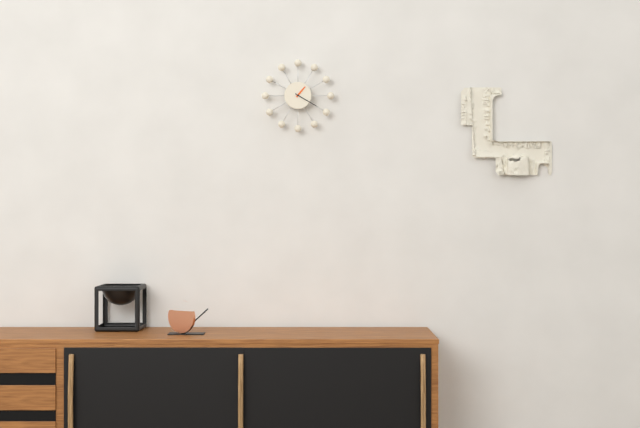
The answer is 1:20
